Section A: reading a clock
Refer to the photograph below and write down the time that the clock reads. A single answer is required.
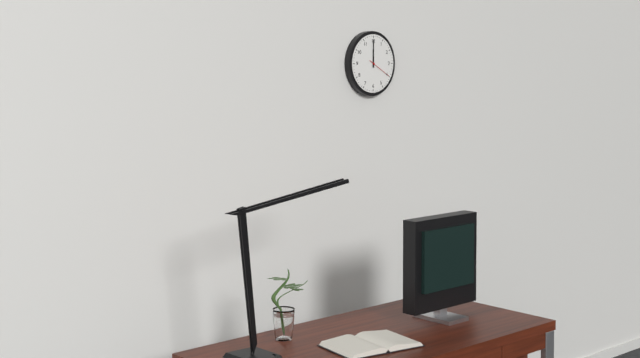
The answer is 12:00
